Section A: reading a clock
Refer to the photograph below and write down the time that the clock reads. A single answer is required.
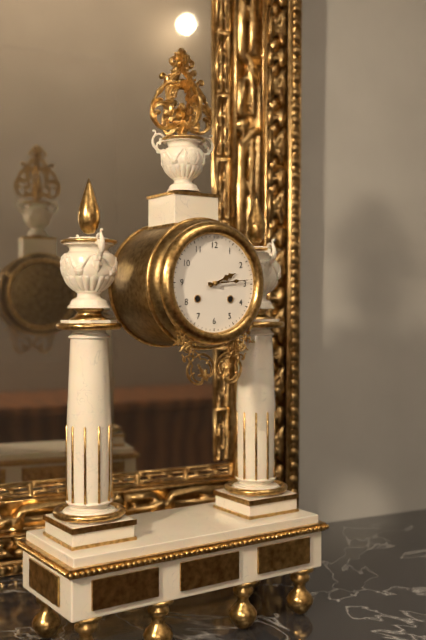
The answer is 2:14
